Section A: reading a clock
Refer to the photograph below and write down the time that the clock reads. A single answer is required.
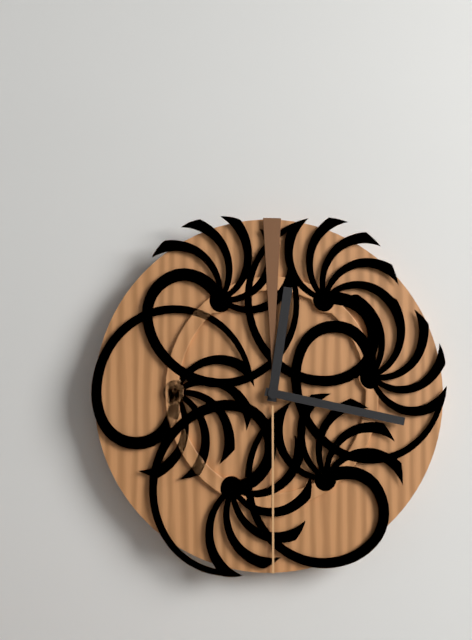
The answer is 12:17
